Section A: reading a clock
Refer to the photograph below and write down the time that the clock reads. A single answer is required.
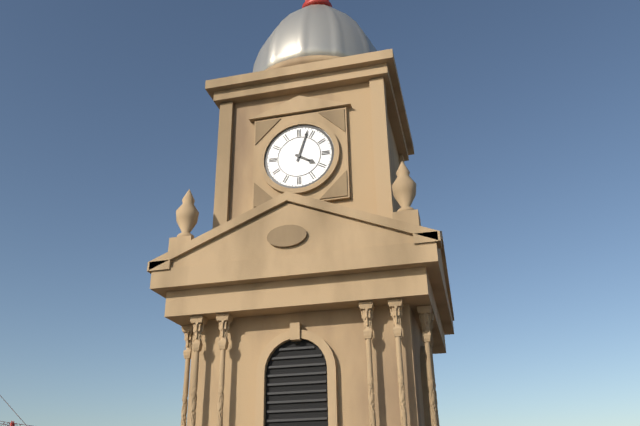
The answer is 4:03
